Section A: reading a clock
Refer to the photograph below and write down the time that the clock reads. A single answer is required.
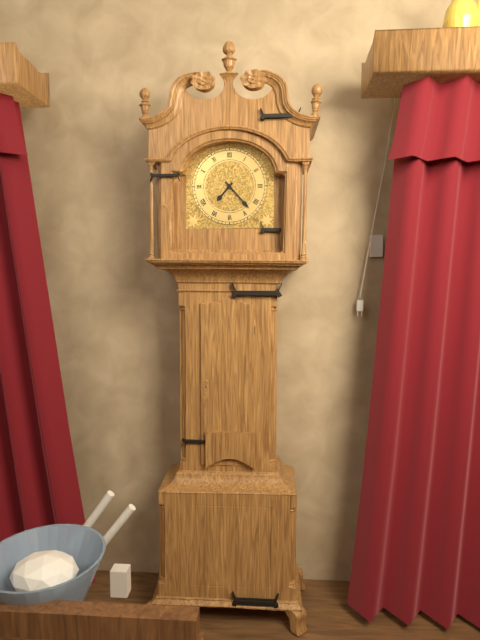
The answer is 7:23
